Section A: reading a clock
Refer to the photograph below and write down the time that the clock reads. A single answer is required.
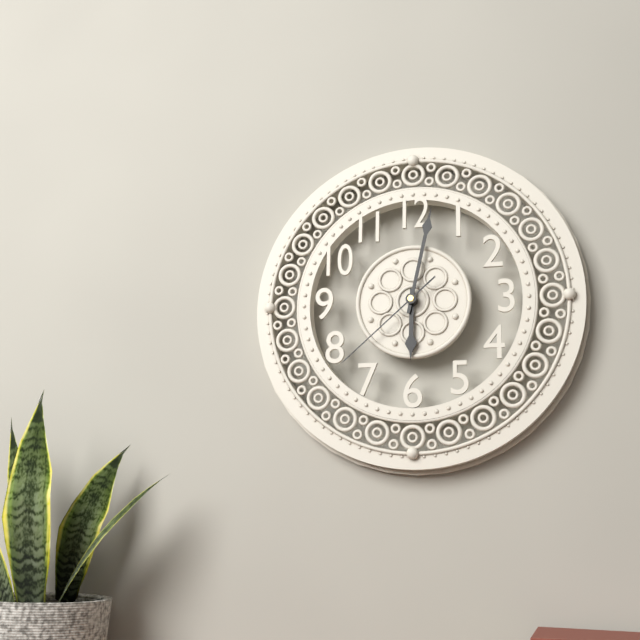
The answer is 6:02:38
